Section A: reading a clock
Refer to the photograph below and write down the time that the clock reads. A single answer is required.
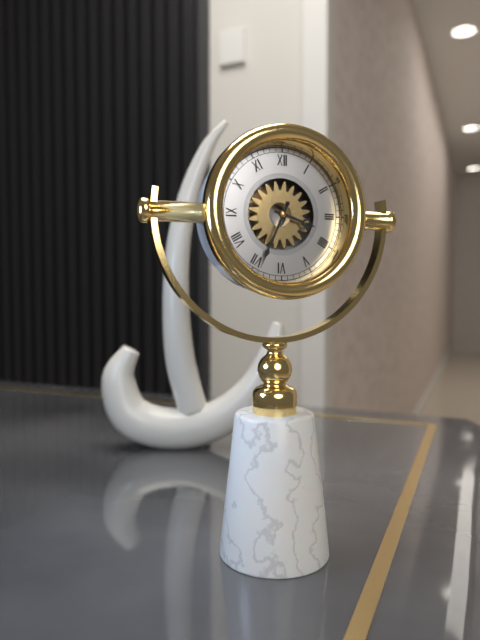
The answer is 3:34
